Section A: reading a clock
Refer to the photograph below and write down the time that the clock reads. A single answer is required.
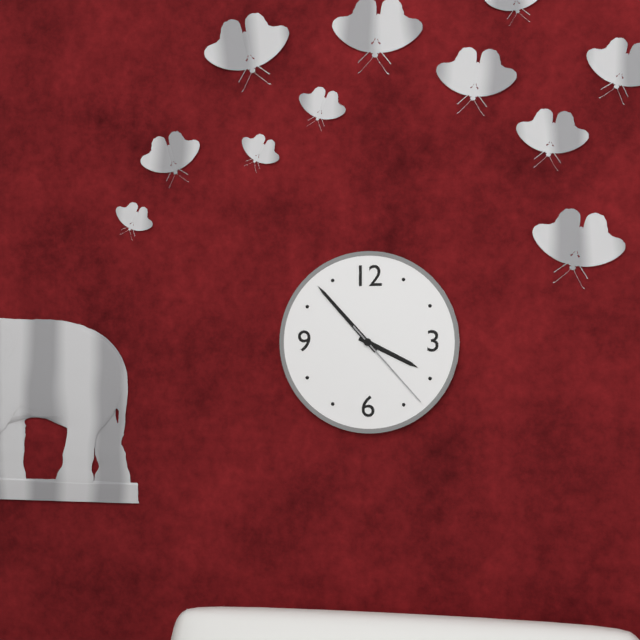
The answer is 3:53:23
